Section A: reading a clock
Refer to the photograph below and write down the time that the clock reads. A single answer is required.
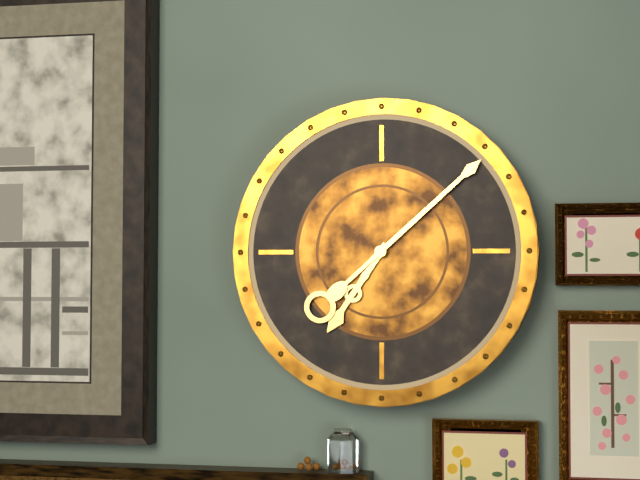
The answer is 7:08
